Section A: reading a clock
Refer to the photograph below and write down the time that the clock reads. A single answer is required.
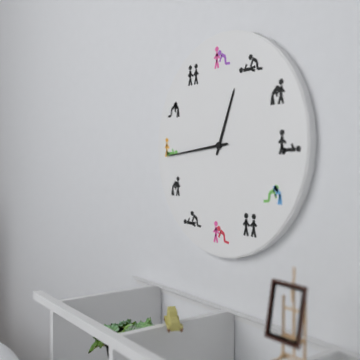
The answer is 12:44
